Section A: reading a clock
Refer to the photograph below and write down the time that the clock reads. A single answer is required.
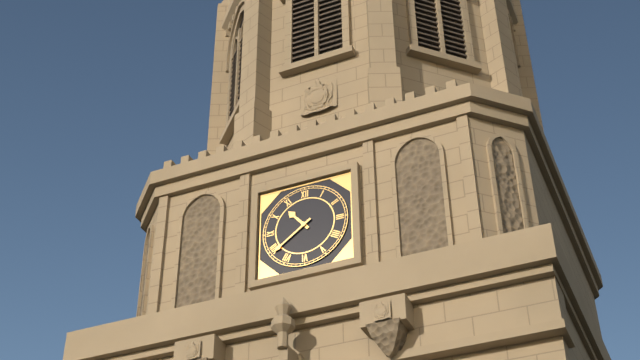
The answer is 10:39
